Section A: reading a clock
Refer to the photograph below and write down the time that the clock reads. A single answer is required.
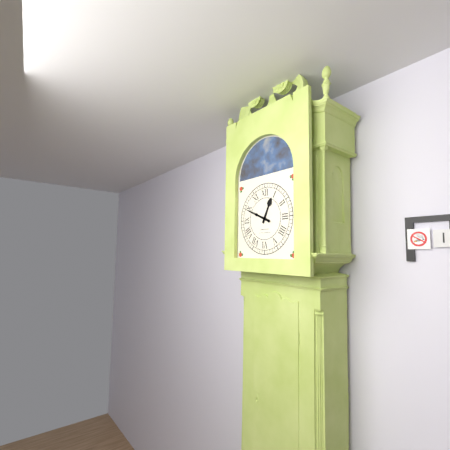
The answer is 12:49
